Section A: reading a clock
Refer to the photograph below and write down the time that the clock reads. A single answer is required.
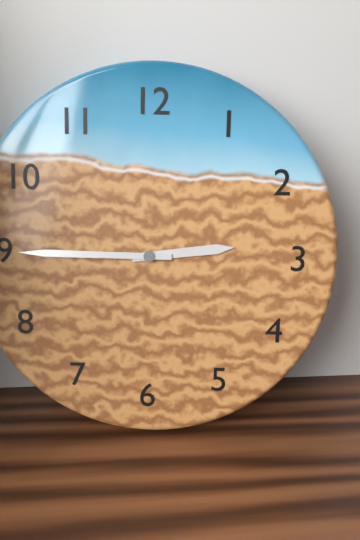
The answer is 2:45
